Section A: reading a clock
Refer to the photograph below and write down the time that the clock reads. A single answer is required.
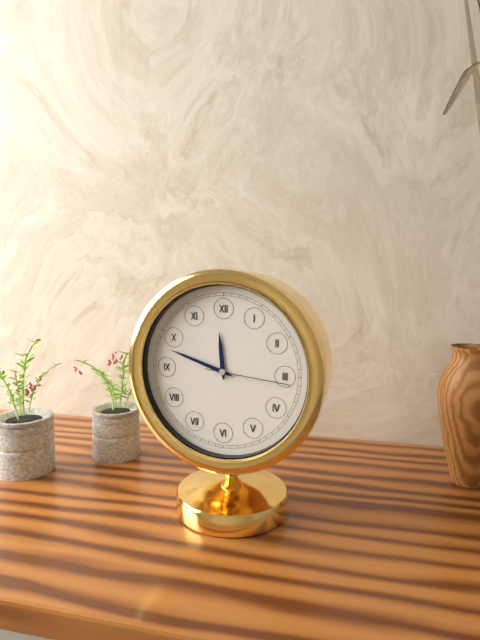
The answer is 11:48:16
